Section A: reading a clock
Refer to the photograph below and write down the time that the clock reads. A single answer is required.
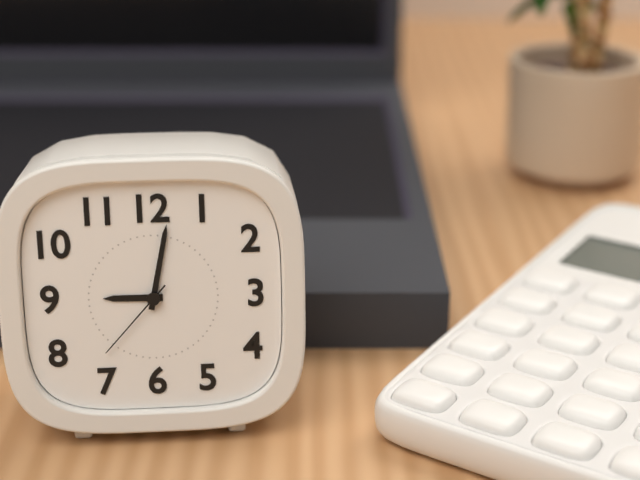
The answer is 9:02:37
